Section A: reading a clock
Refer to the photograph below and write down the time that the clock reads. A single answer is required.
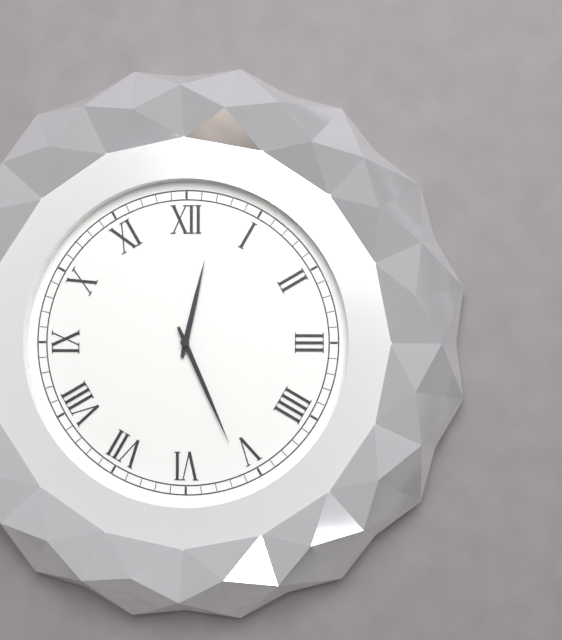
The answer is 12:26
